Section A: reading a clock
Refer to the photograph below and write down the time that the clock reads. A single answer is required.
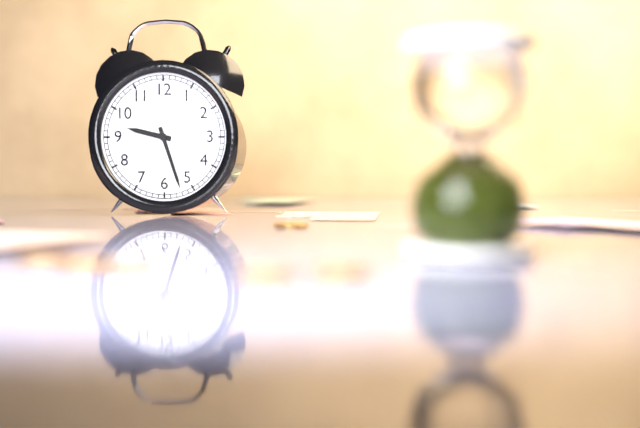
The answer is 9:27
